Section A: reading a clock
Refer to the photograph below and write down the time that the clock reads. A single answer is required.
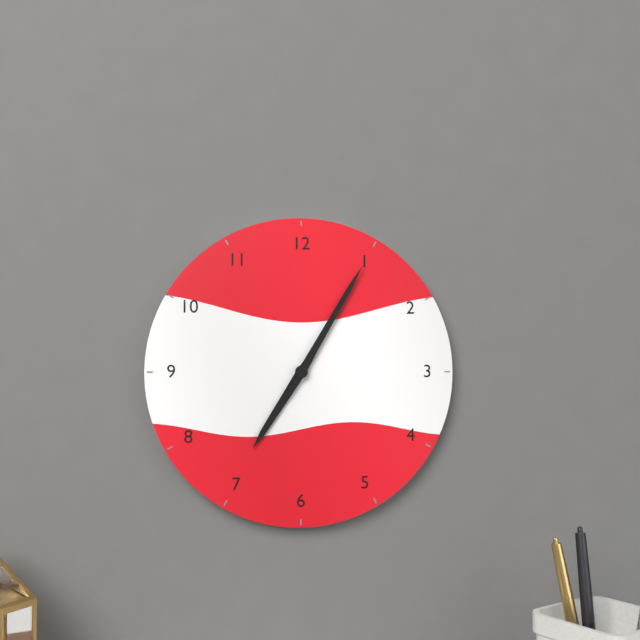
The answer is 7:05
